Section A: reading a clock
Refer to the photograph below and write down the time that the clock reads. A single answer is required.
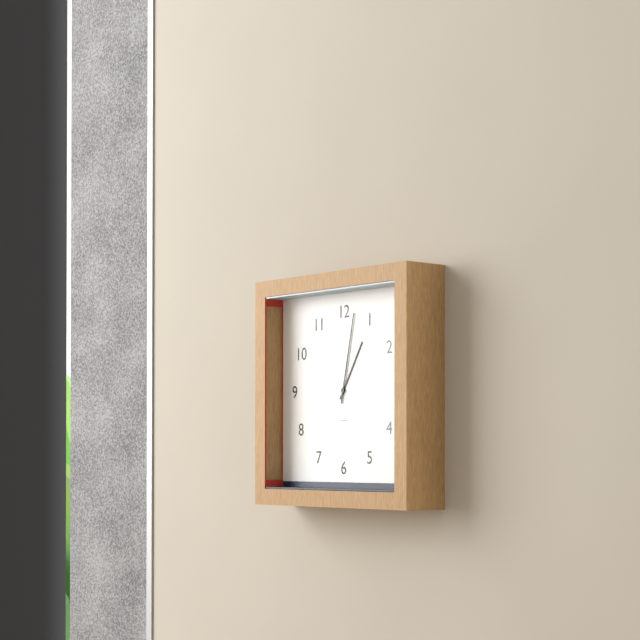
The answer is 1:02
